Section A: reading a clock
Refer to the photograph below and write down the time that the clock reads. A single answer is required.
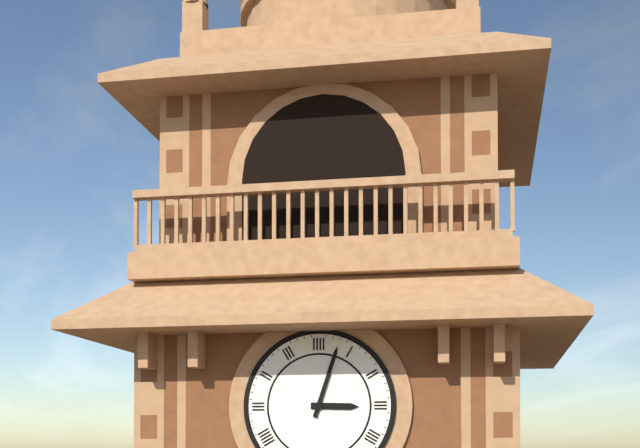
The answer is 3:03
